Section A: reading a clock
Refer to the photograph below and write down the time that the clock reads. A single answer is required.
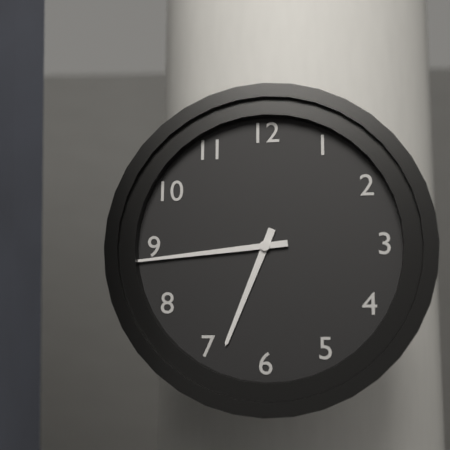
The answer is 6:44
